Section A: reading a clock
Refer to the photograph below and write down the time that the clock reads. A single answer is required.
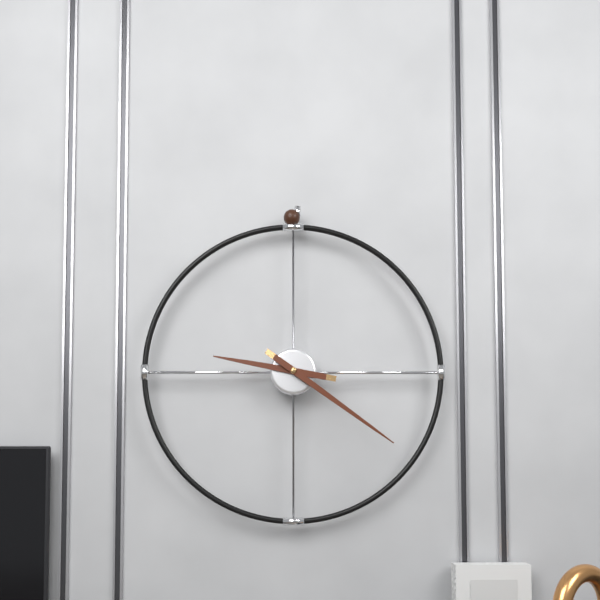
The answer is 9:21
